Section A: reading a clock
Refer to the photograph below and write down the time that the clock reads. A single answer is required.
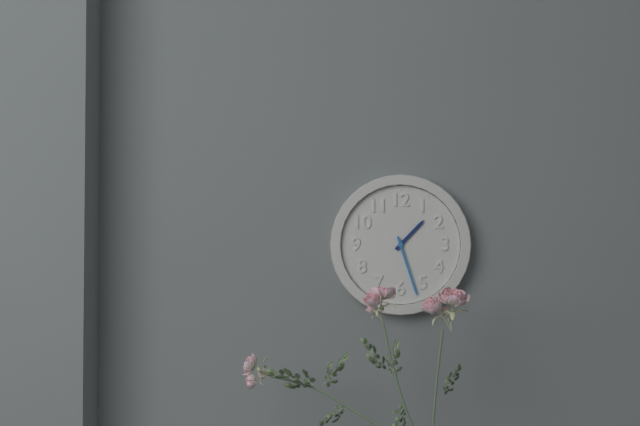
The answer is 1:27
